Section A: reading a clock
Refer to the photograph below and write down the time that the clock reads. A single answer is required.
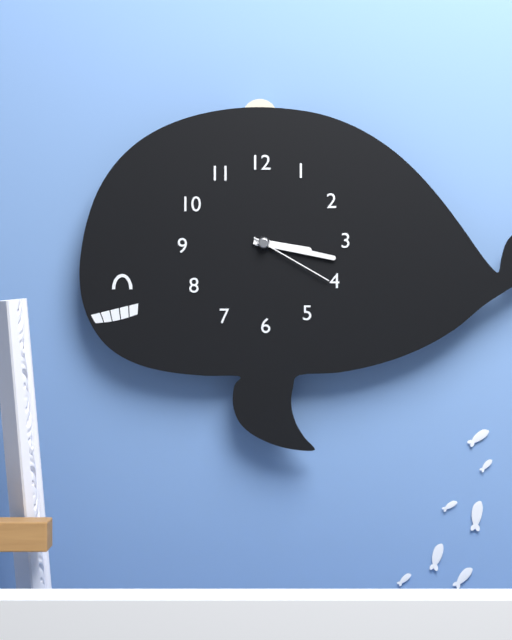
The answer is 3:17:20
